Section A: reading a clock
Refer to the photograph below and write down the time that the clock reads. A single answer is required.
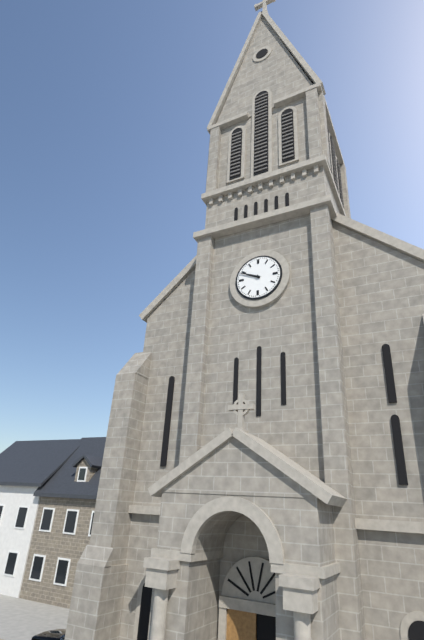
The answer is 9:49
